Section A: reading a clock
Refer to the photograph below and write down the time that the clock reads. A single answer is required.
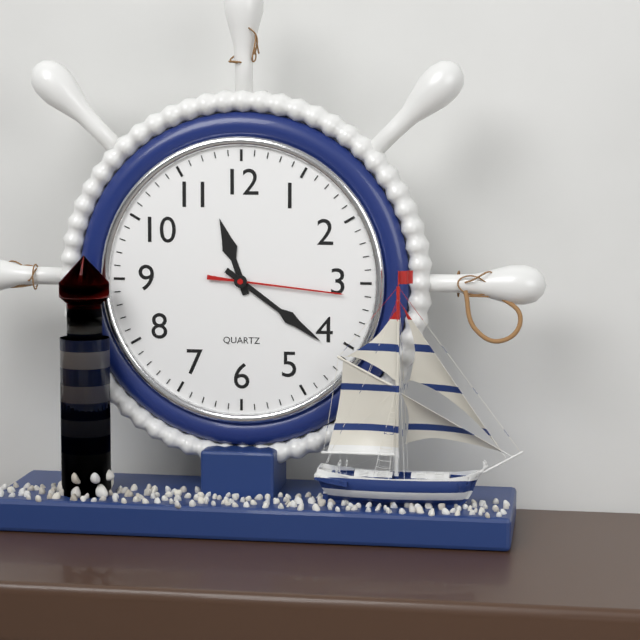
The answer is 11:21:16
